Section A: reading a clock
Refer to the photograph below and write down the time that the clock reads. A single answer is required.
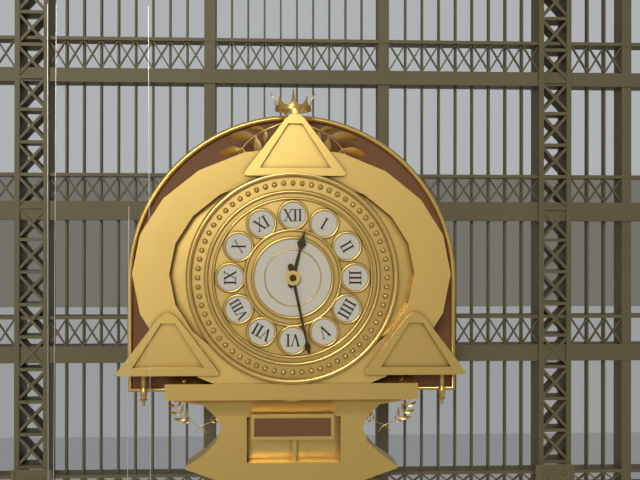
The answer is 12:28
